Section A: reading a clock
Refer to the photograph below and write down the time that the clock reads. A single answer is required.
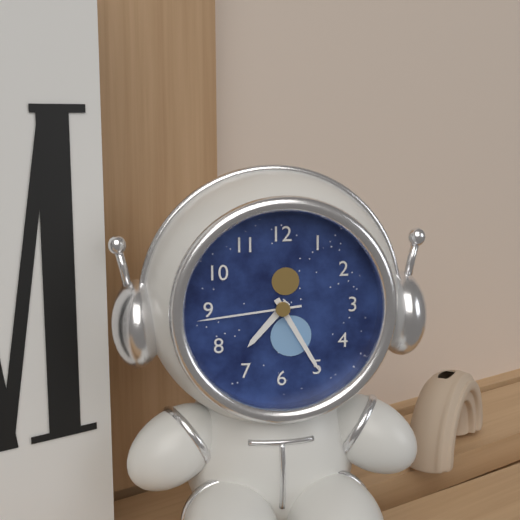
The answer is 7:25:44
